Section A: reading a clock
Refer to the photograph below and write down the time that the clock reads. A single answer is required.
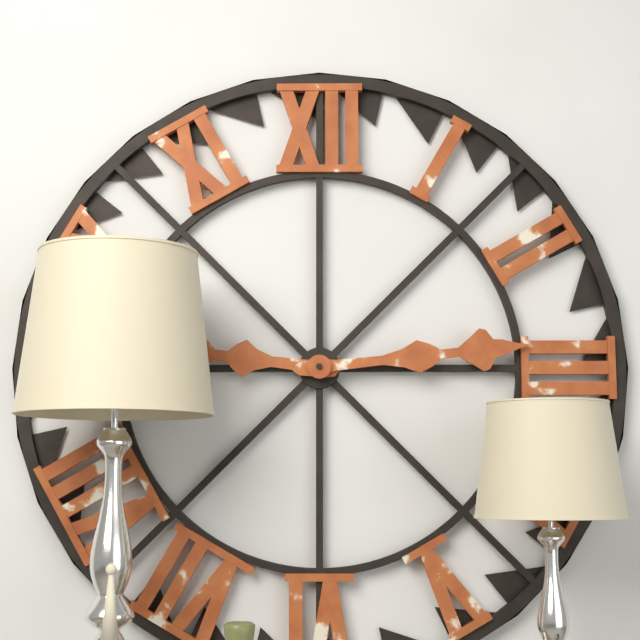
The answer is 9:14
